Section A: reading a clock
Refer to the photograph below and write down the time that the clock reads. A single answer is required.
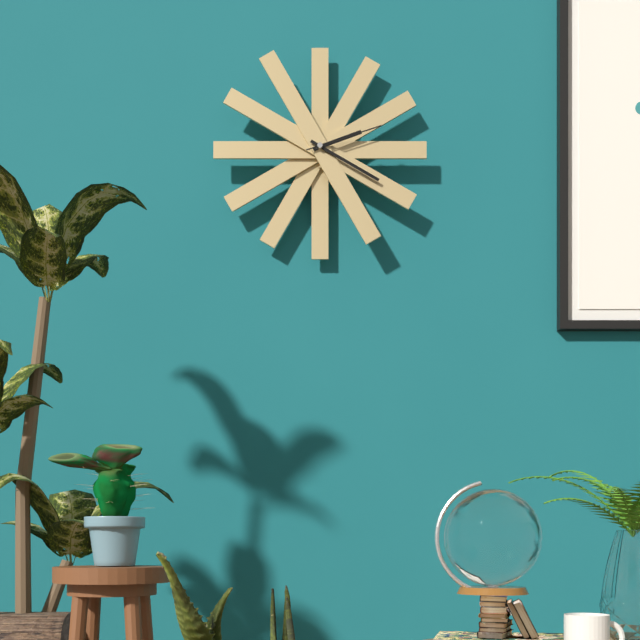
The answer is 2:20:12
